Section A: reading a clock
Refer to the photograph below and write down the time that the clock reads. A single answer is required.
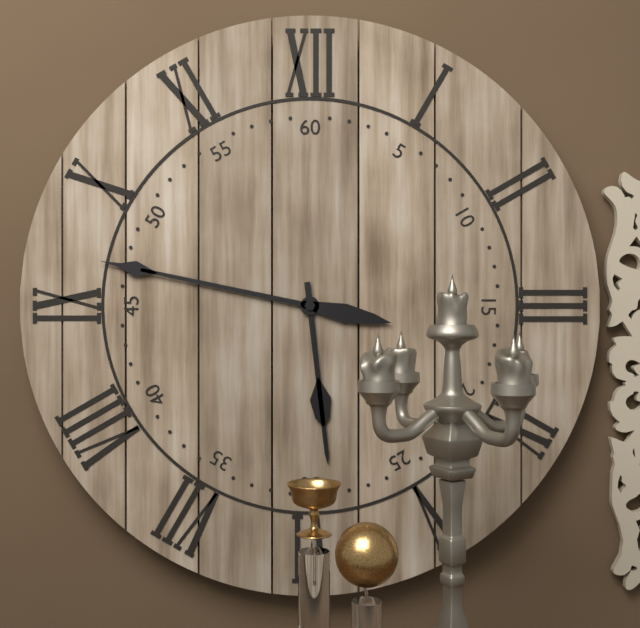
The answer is 5:47
